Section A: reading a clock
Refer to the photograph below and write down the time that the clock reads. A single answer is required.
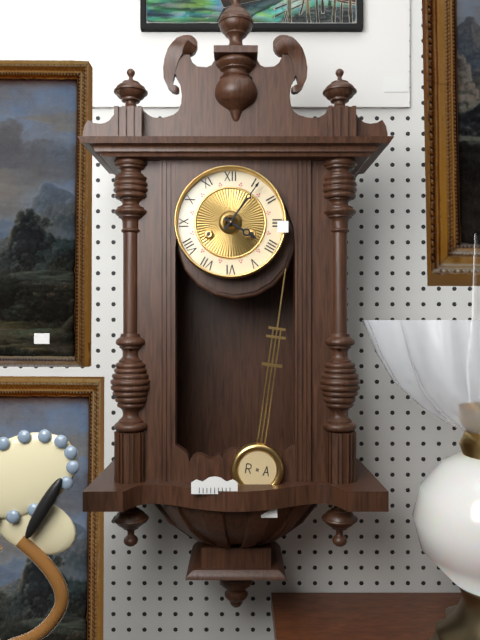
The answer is 4:06
